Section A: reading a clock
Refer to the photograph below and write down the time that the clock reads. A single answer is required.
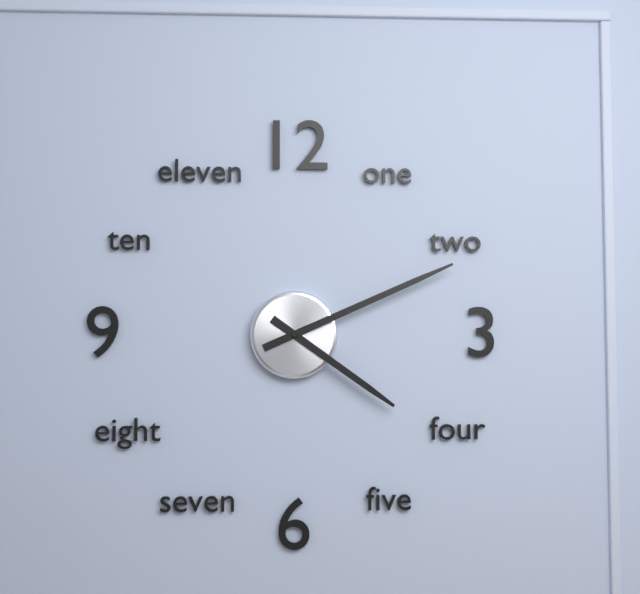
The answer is 4:11
